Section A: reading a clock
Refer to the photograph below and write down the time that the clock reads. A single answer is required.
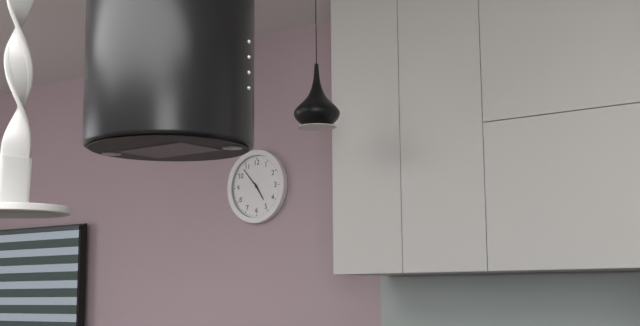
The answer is 4:53
